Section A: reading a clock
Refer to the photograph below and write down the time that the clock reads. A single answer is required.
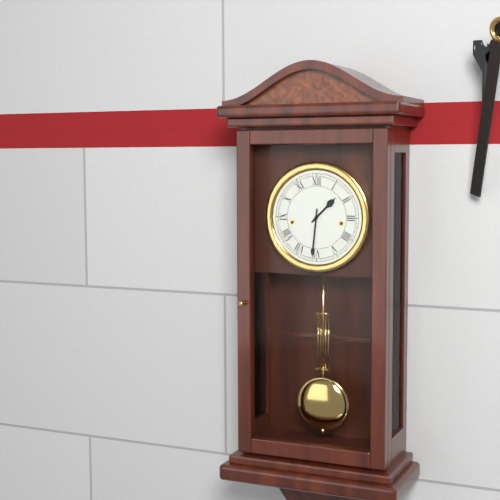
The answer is 1:31
